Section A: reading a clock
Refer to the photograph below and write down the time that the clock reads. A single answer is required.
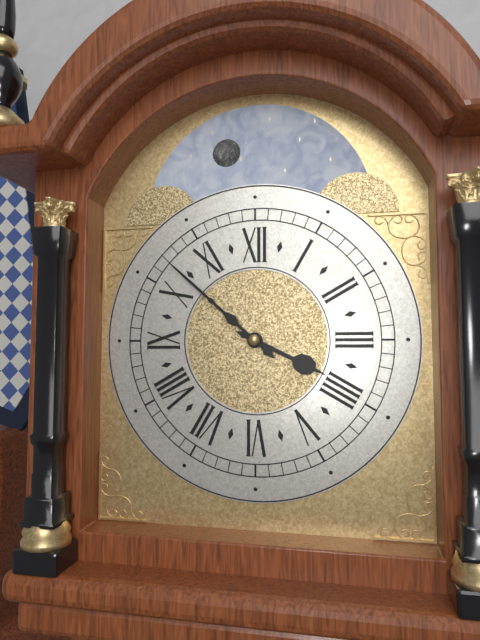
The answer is 3:52
